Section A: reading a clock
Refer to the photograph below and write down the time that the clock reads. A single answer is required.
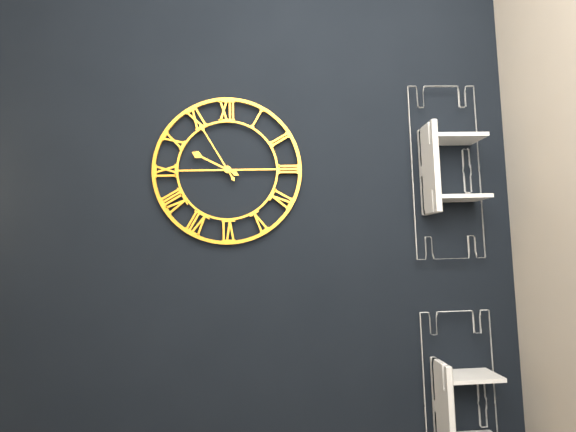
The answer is 9:55
